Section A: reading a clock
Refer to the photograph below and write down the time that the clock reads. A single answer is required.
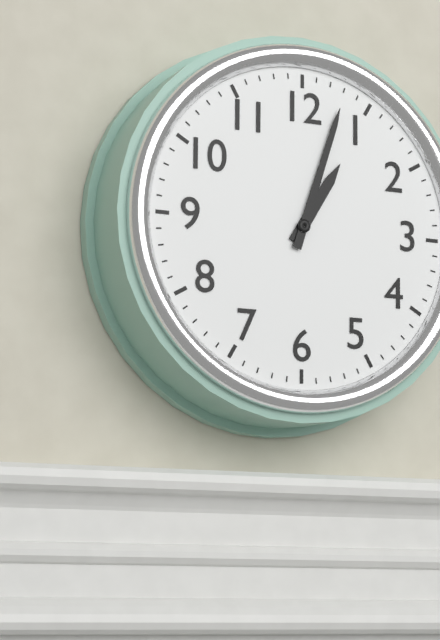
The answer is 1:03
